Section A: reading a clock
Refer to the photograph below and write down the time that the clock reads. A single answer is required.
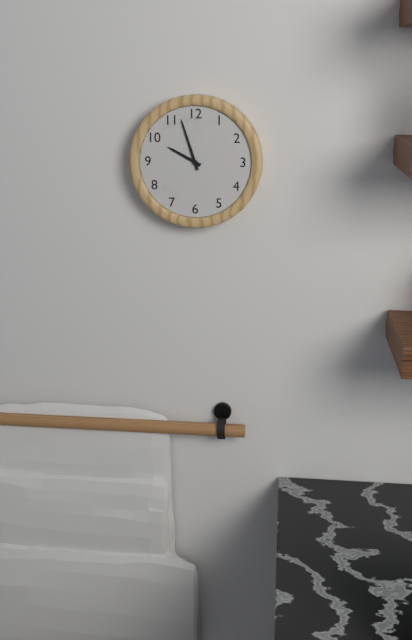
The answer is 9:57
